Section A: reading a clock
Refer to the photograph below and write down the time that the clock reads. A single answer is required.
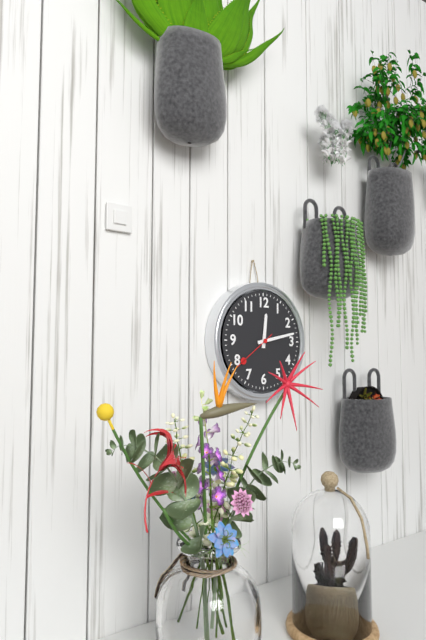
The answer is 12:13
